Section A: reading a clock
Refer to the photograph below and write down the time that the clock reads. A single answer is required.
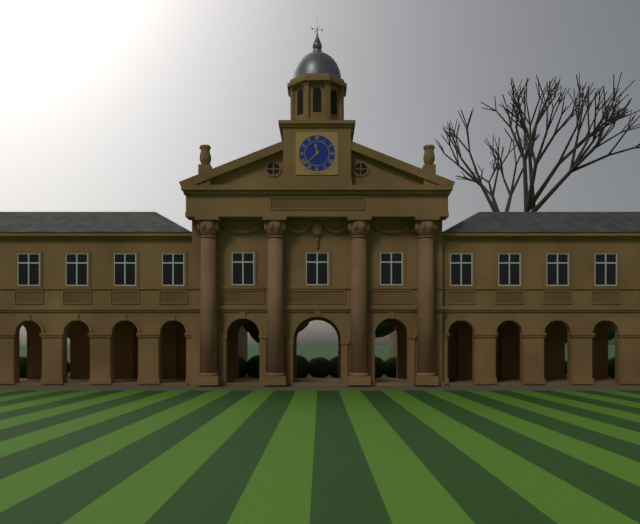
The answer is 11:38
